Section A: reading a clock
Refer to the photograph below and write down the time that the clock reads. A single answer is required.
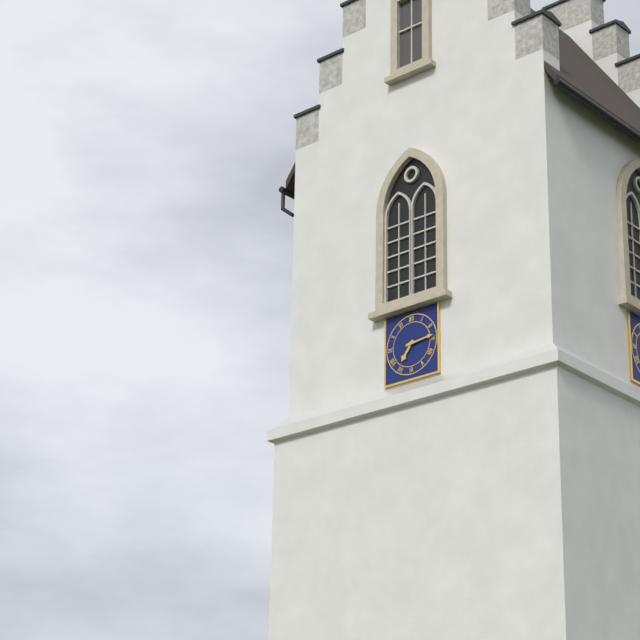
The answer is 7:14
